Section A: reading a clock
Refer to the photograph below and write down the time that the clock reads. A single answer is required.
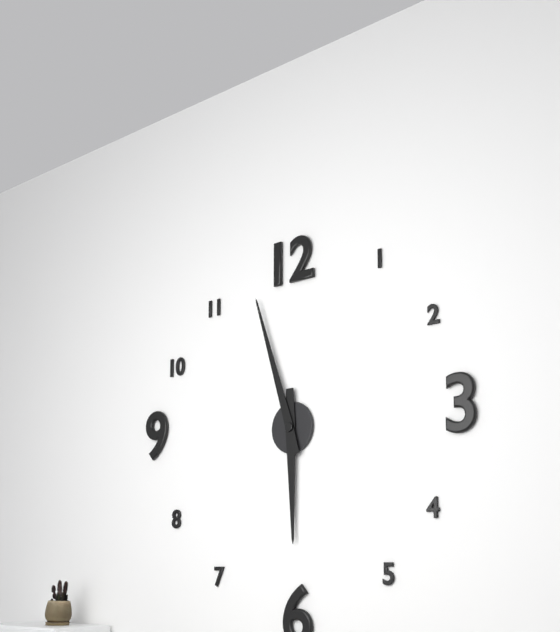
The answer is 5:57
